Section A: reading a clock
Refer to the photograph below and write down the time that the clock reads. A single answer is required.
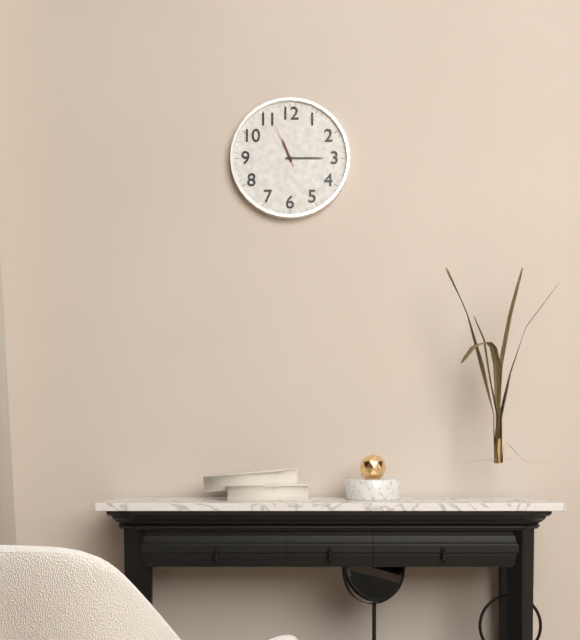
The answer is 11:15
